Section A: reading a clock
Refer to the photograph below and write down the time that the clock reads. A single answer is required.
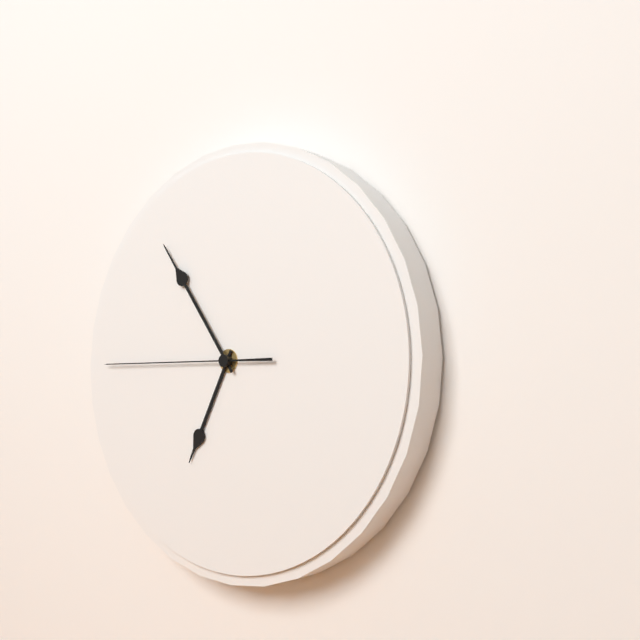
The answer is 6:54:45
